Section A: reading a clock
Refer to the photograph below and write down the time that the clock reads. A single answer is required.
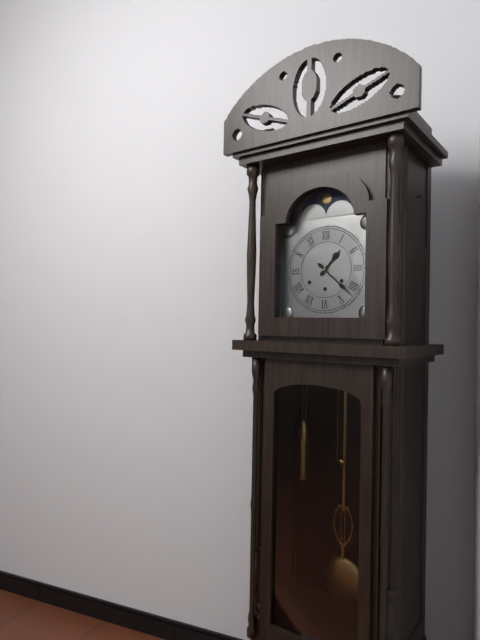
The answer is 1:22
